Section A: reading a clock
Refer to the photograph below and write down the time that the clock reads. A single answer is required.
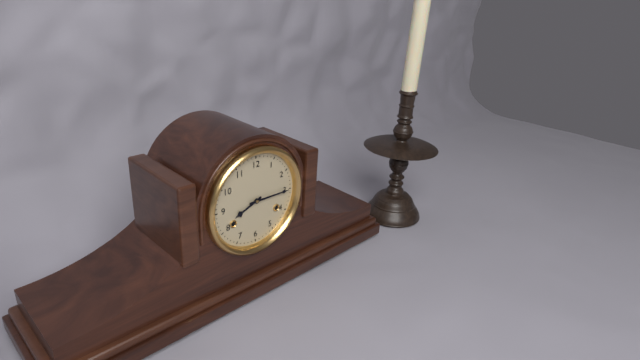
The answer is 8:15
